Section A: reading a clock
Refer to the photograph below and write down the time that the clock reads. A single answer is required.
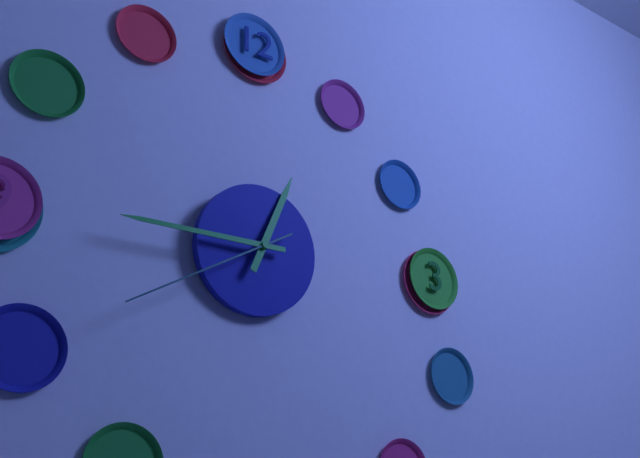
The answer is 12:45:40
